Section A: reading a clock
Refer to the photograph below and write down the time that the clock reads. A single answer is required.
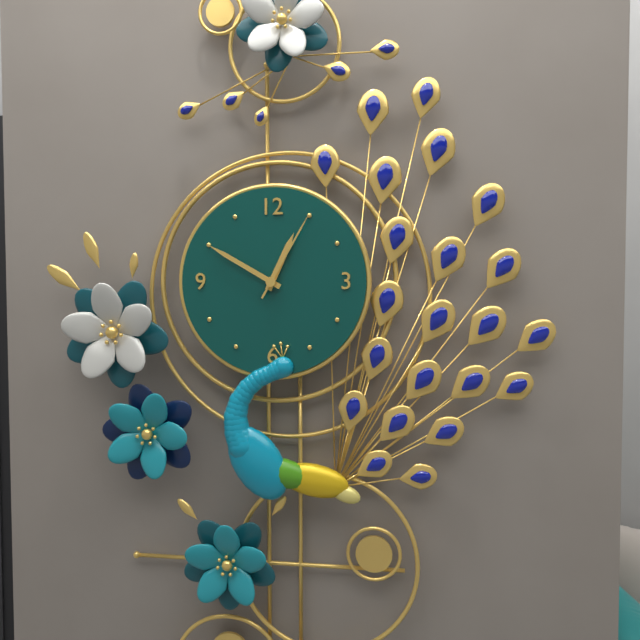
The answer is 12:50:05
